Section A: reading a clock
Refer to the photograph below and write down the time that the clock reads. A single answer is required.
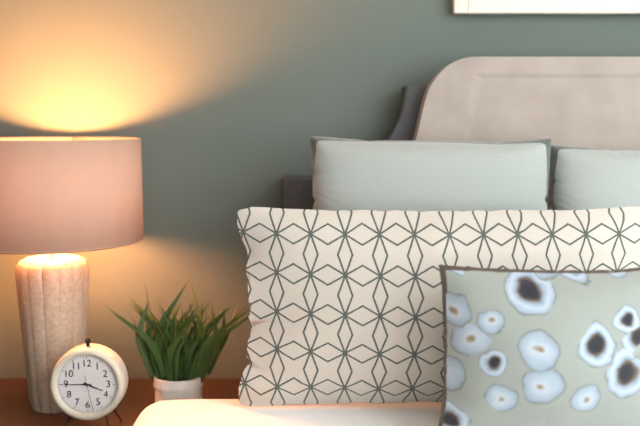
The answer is 3:45
